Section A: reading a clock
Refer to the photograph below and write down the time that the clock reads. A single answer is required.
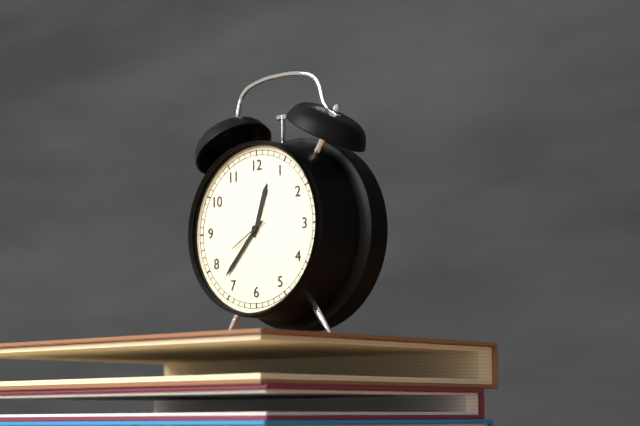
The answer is 12:37
